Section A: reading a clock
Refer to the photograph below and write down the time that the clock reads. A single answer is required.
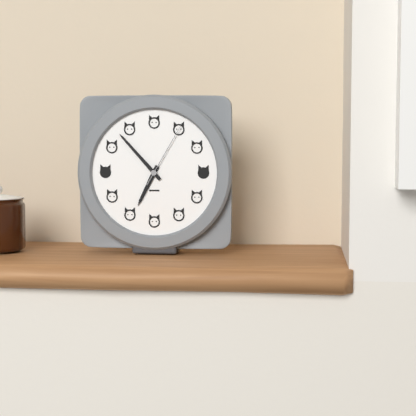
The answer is 6:53:05
